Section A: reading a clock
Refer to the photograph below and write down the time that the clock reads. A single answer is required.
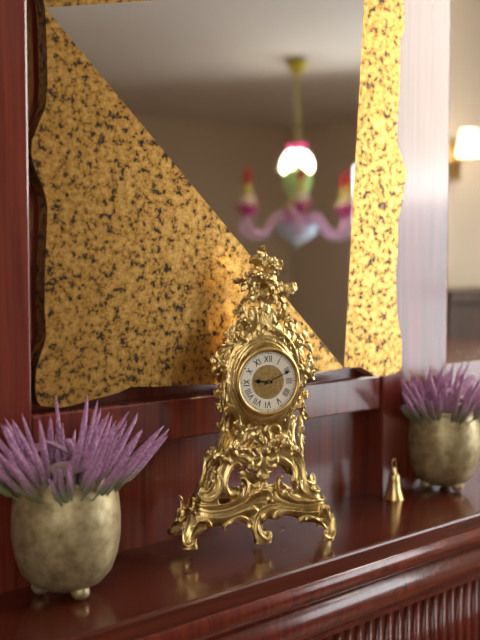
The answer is 9:11
